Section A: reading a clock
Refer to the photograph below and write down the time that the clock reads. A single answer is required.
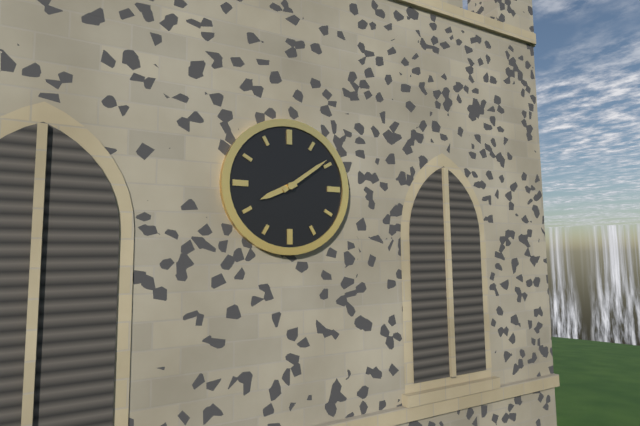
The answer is 8:09
